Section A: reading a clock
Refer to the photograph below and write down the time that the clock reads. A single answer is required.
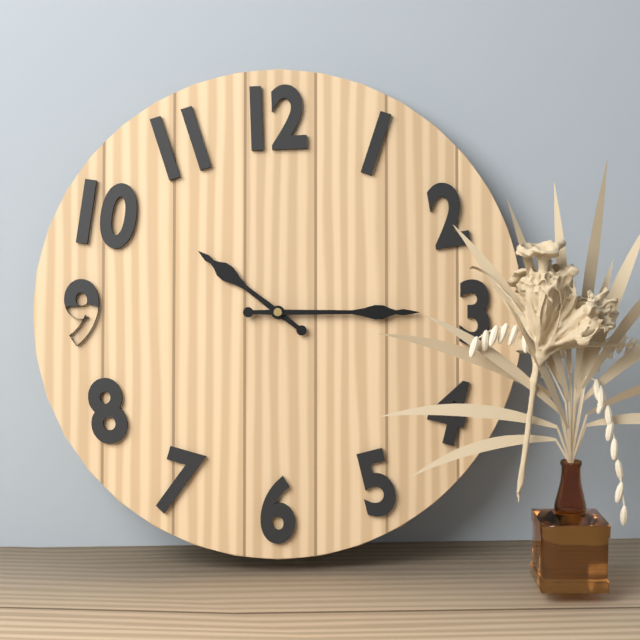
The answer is 10:15
